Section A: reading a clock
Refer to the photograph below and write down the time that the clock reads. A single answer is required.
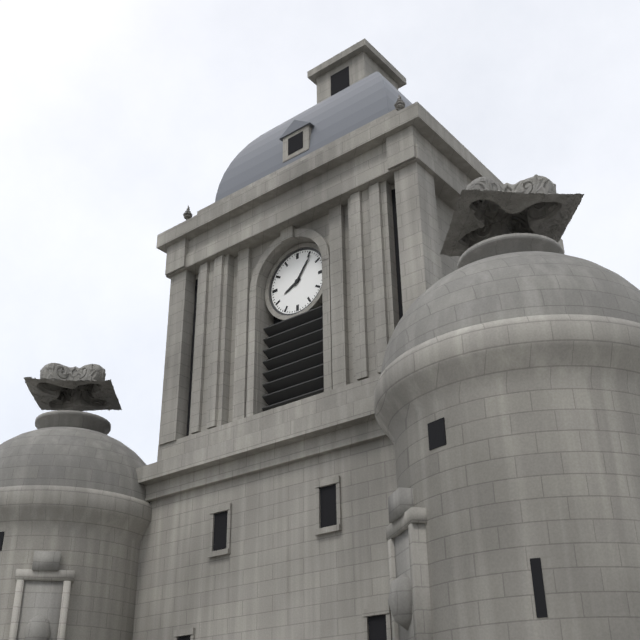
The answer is 8:06
